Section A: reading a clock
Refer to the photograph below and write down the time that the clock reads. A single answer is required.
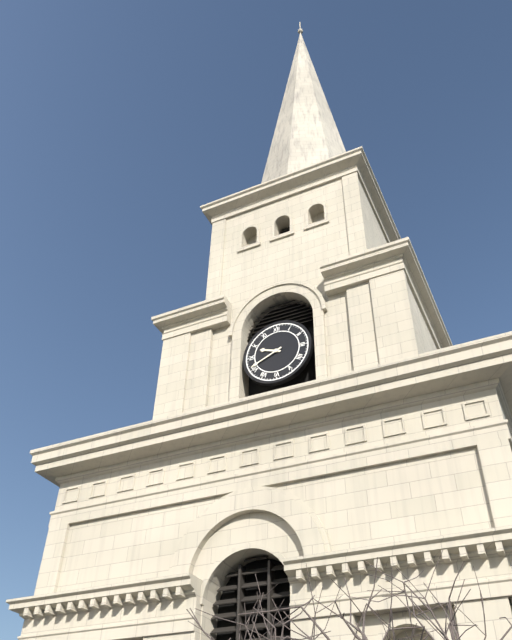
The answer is 9:41
